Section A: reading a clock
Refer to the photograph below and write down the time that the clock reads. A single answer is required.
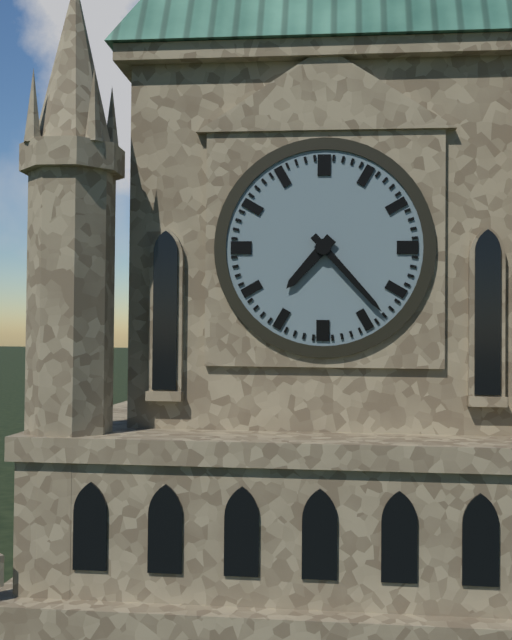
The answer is 7:23
